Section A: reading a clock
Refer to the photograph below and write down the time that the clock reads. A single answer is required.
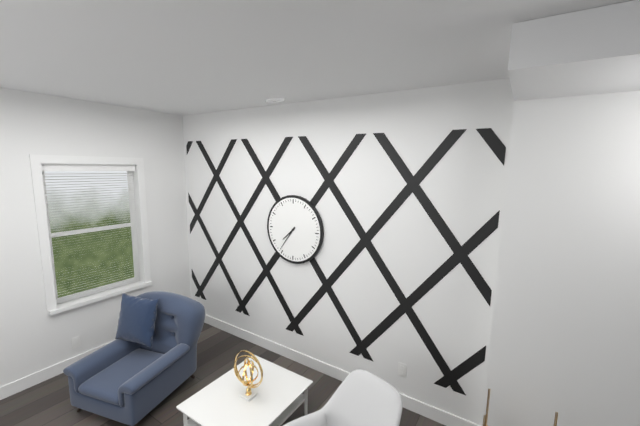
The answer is 7:36
